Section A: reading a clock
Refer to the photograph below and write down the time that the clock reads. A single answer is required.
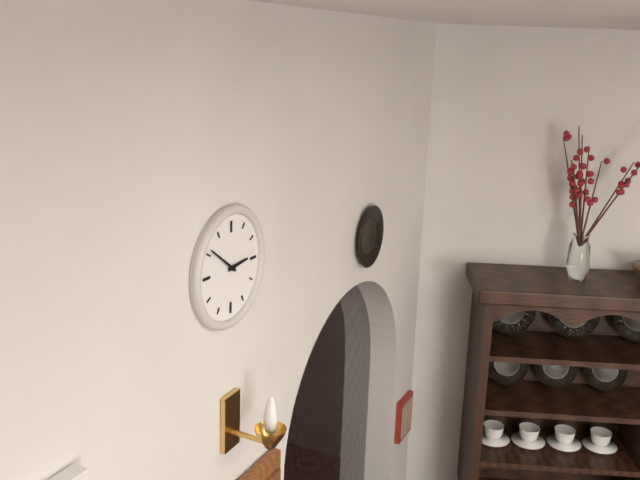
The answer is 2:51
